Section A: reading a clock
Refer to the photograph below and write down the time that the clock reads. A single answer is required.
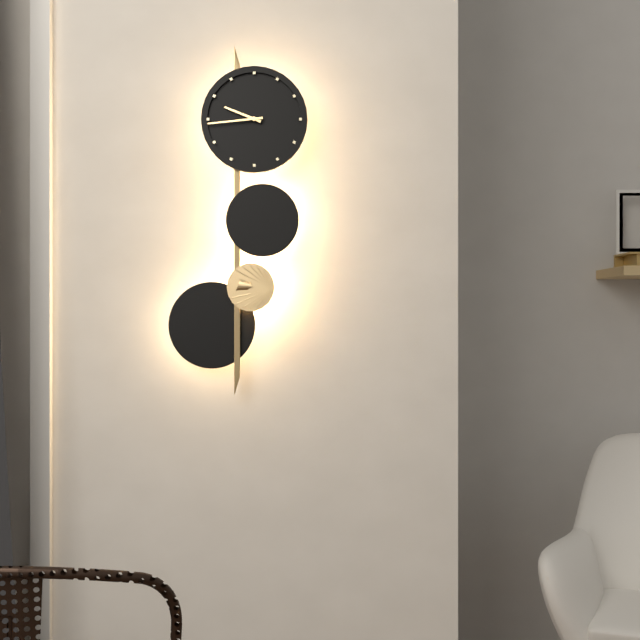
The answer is 9:44
